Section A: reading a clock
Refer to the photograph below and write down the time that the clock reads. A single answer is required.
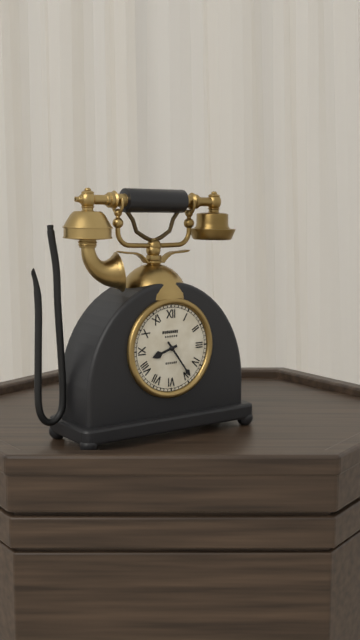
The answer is 8:24
